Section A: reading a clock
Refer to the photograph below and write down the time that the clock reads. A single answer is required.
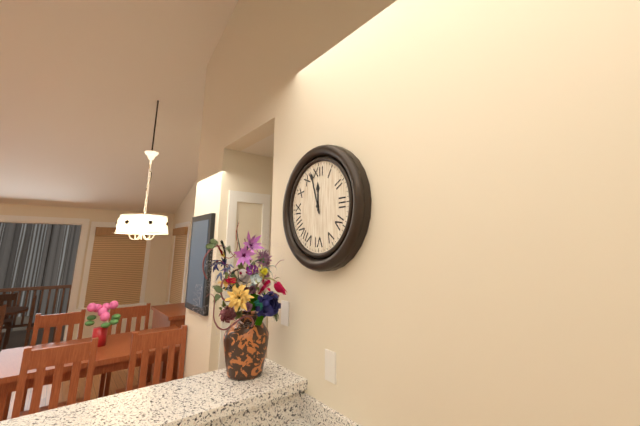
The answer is 11:57
